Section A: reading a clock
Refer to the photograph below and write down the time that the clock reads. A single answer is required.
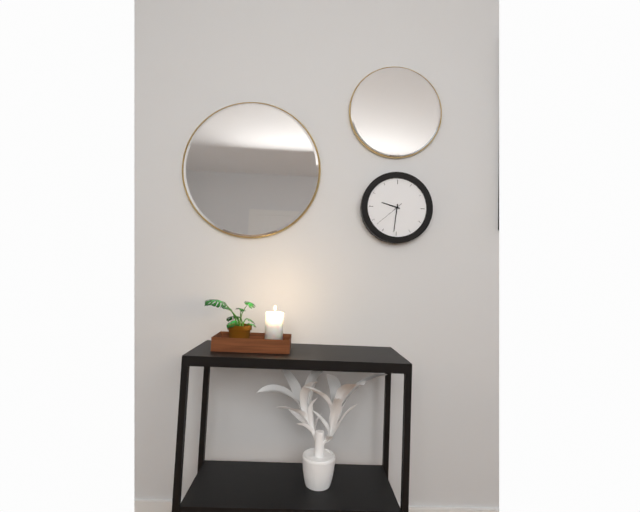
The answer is 9:31
